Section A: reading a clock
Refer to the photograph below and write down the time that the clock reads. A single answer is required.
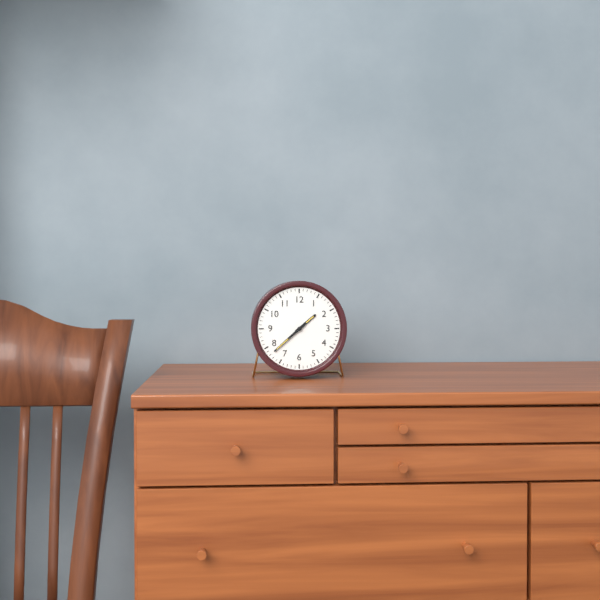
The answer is 1:38
